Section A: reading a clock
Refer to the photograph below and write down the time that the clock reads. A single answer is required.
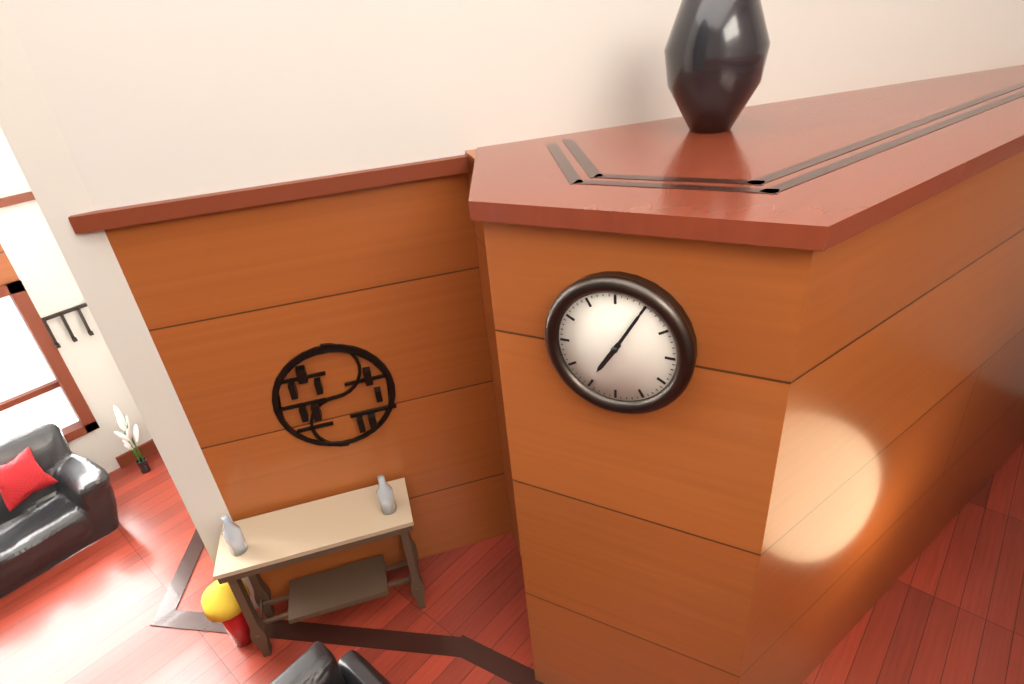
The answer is 7:05
